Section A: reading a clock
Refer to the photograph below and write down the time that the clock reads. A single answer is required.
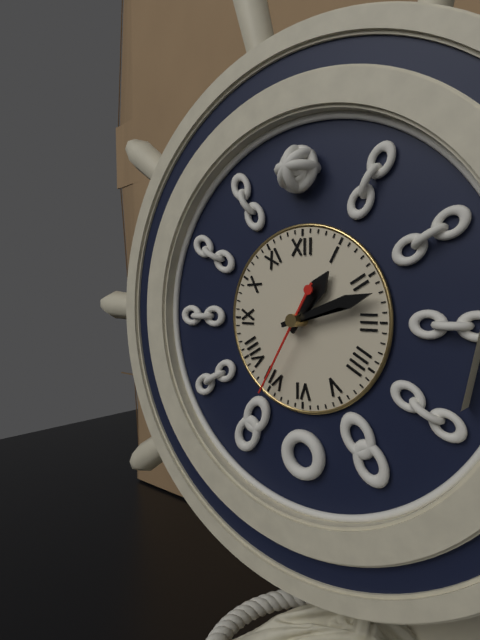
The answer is 1:12:35
